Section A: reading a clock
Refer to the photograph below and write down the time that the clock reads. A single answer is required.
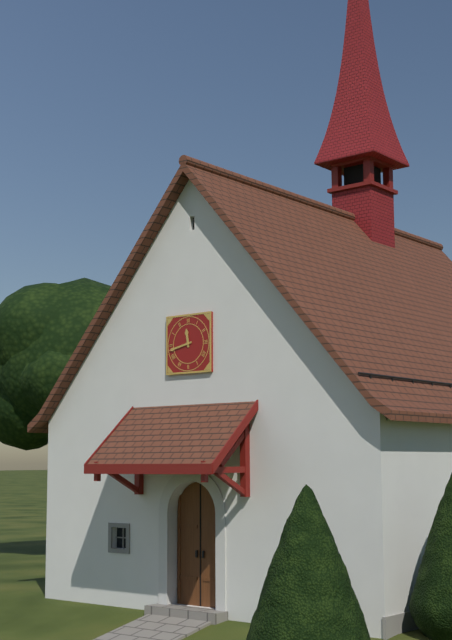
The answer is 11:43
